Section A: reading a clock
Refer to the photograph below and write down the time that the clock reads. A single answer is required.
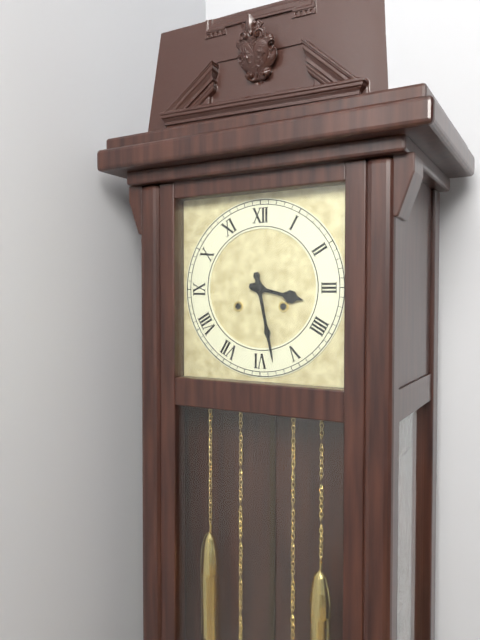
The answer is 3:28
